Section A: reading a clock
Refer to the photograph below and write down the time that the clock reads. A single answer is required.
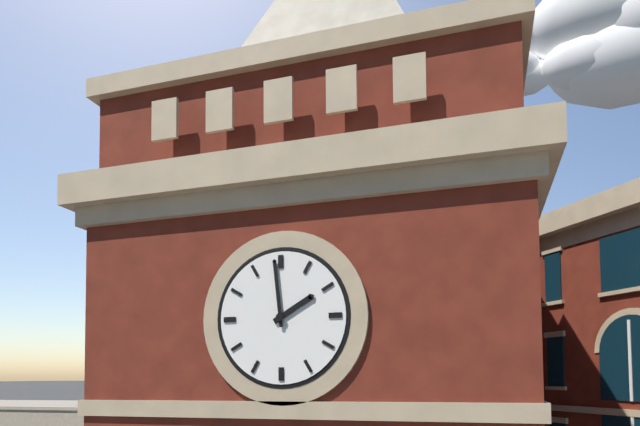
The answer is 1:59
